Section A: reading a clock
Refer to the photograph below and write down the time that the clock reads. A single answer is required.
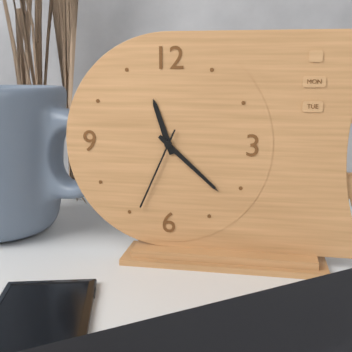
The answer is 11:22:34
